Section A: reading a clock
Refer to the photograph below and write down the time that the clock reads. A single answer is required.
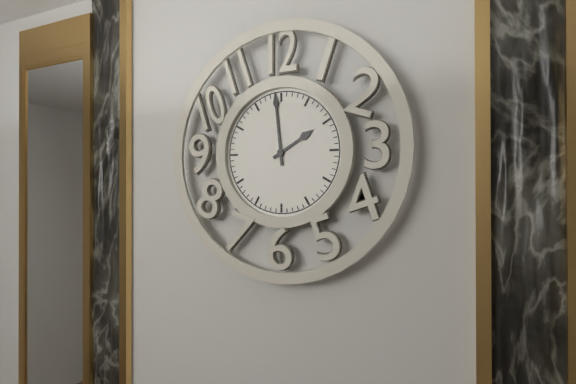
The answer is 1:59
